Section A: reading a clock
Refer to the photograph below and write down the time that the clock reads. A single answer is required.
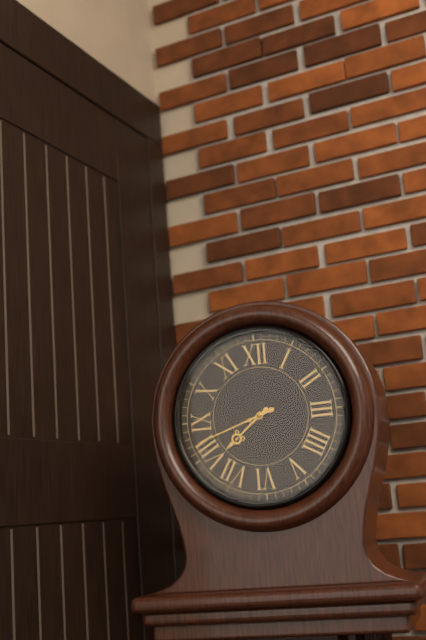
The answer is 7:42
